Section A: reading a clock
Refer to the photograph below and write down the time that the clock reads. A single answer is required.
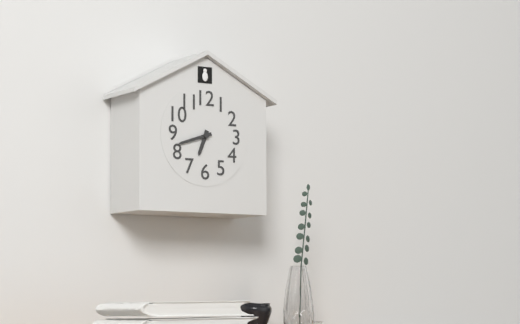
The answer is 6:42
